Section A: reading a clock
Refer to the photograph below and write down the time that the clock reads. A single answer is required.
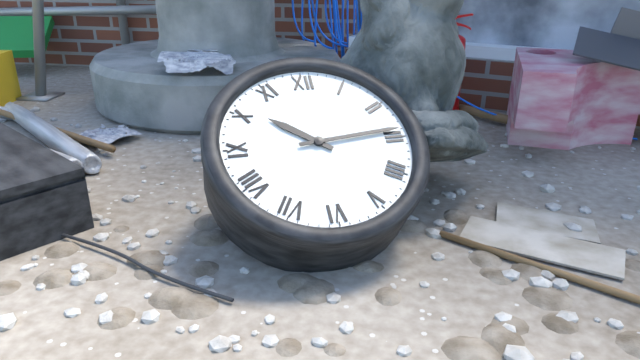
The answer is 10:14
